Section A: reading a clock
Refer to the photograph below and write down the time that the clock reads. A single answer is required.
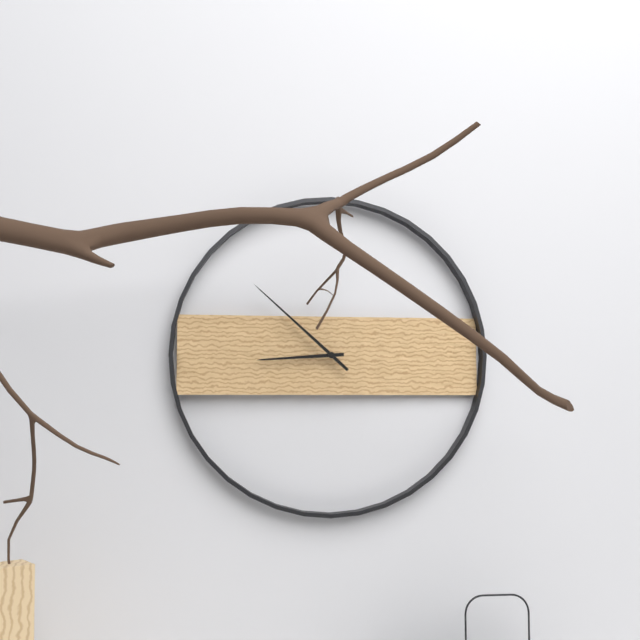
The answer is 8:52
